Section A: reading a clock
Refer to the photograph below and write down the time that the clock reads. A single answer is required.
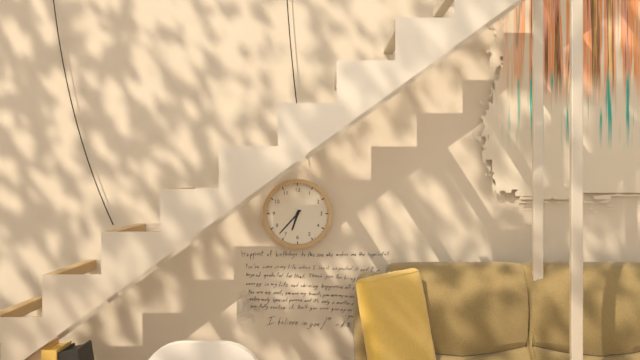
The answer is 6:37
